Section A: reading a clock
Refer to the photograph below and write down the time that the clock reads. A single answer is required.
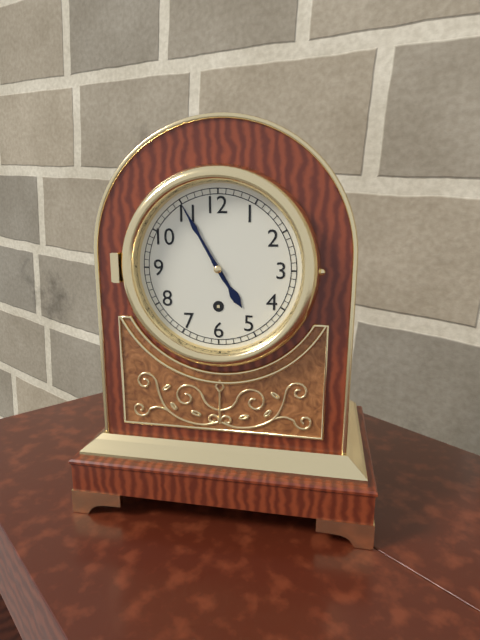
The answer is 4:55
